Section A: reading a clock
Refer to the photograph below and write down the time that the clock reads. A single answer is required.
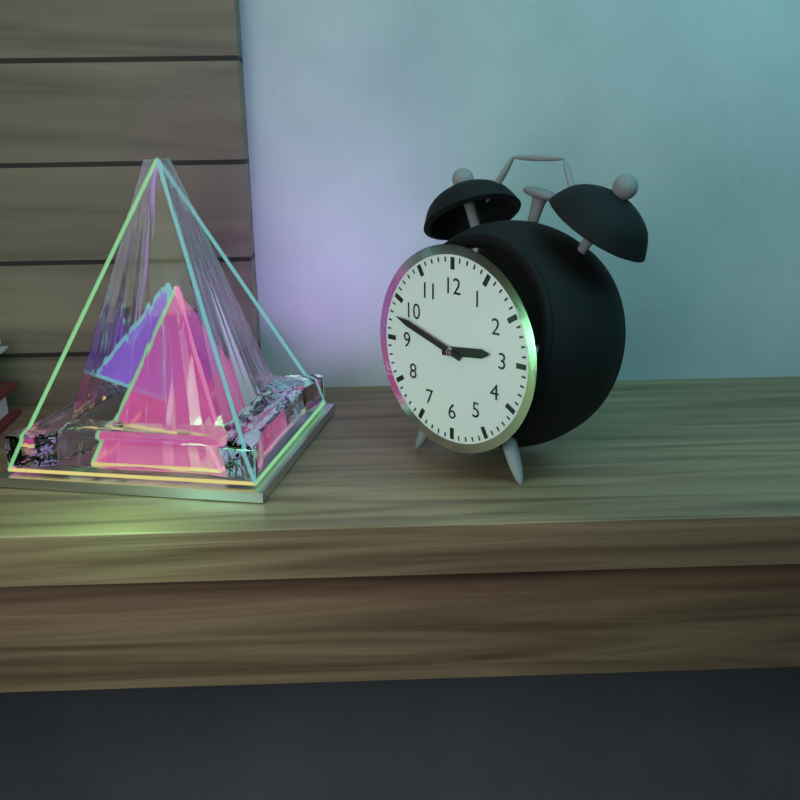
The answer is 2:48
